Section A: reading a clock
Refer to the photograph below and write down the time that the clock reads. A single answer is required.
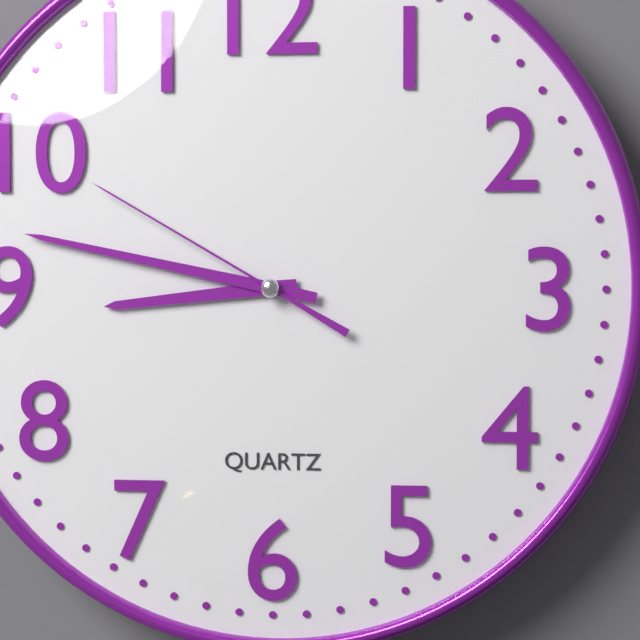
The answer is 8:47:50
